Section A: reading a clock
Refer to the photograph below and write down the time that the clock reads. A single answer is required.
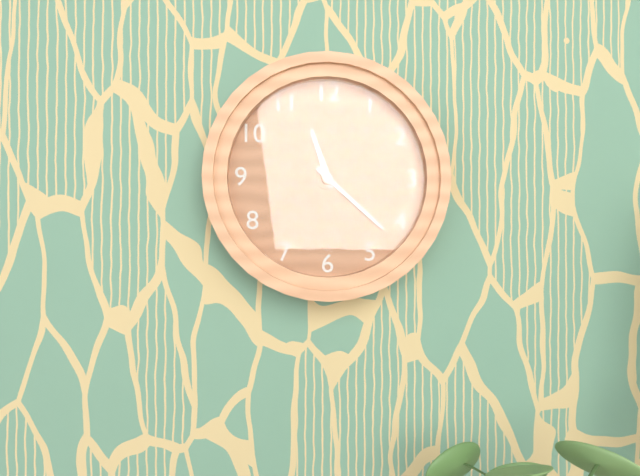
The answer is 11:22
